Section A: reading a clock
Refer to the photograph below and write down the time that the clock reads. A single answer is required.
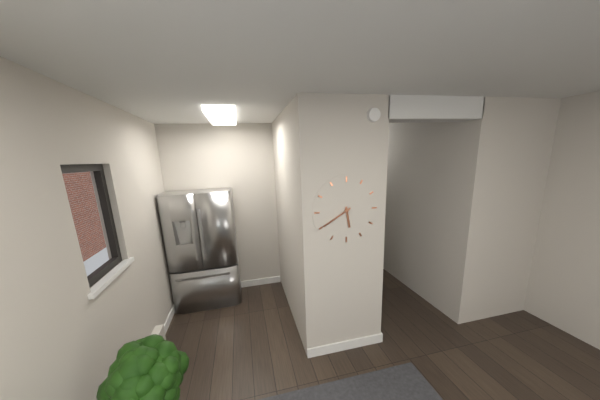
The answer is 5:40
